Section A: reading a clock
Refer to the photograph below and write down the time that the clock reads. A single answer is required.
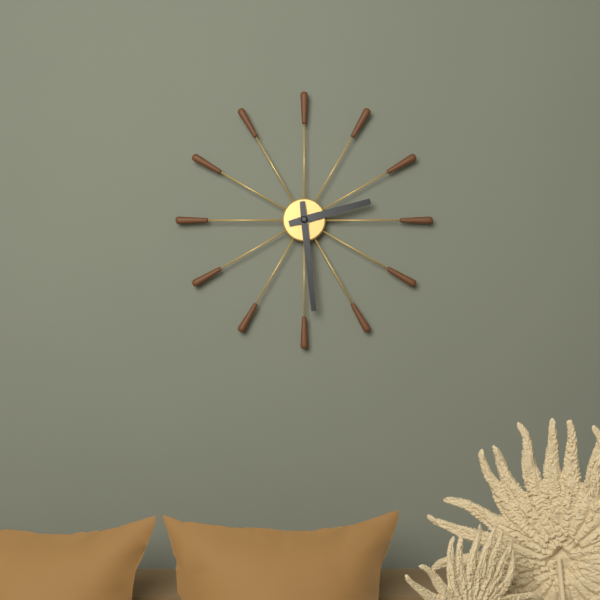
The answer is 2:29
